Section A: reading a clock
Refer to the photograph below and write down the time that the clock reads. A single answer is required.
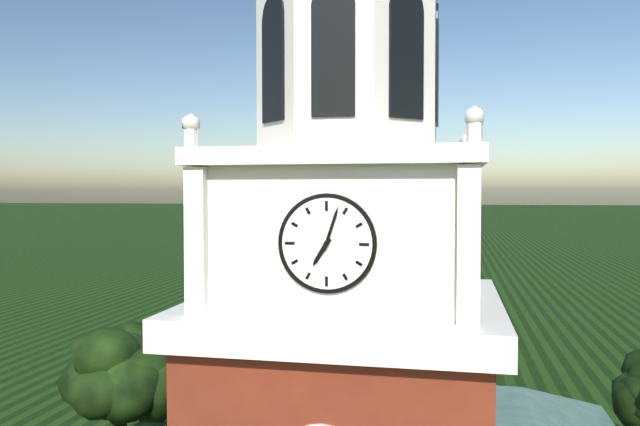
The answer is 7:03
